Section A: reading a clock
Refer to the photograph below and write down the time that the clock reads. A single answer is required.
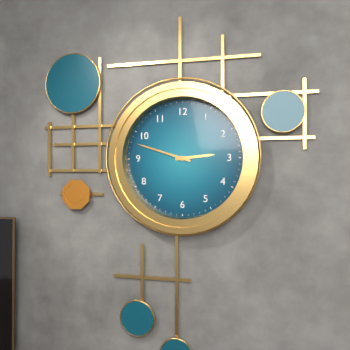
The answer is 2:48
